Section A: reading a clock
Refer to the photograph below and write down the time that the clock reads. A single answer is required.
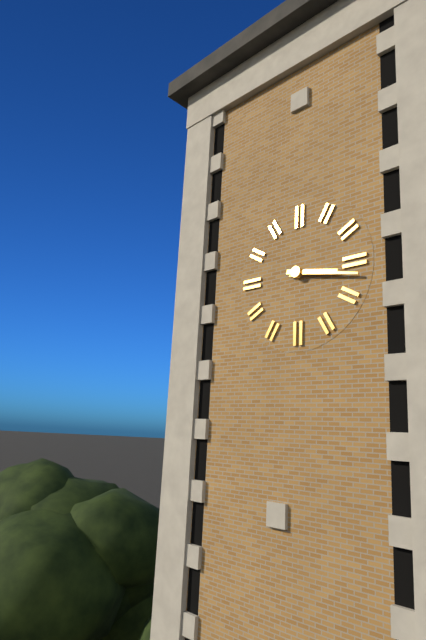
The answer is 3:17
